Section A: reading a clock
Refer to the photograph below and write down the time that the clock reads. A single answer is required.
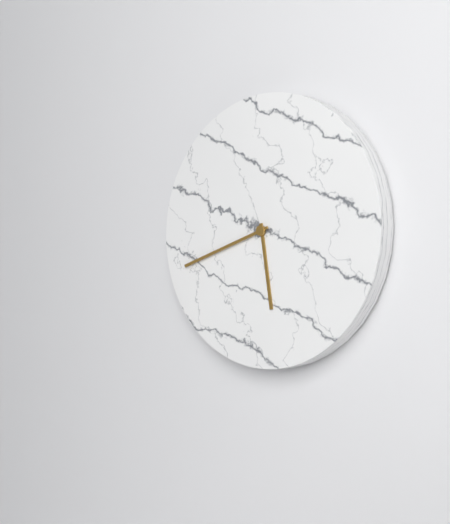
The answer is 5:42
